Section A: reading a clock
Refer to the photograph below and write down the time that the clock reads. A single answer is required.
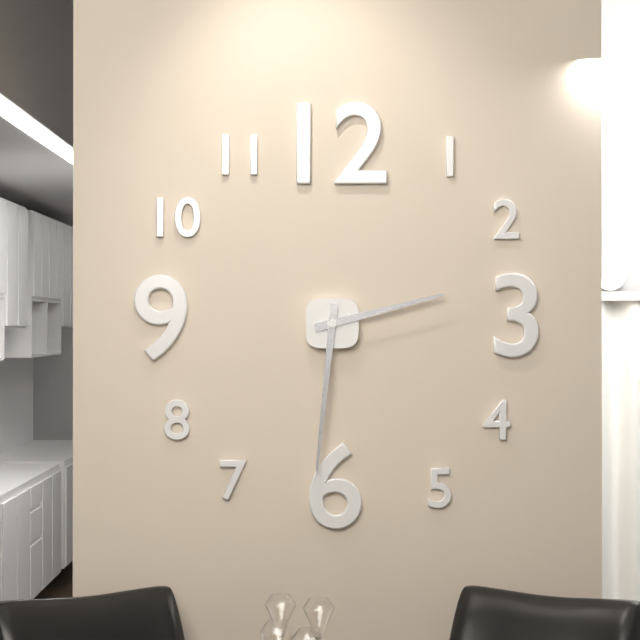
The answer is 2:31
